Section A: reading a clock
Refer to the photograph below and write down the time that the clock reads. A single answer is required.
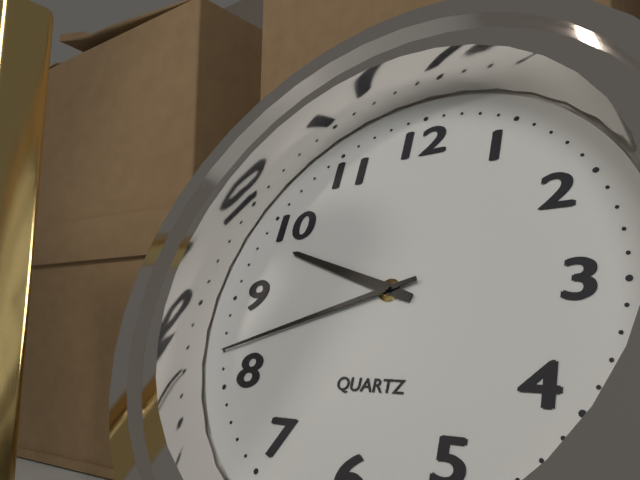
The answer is 9:42
